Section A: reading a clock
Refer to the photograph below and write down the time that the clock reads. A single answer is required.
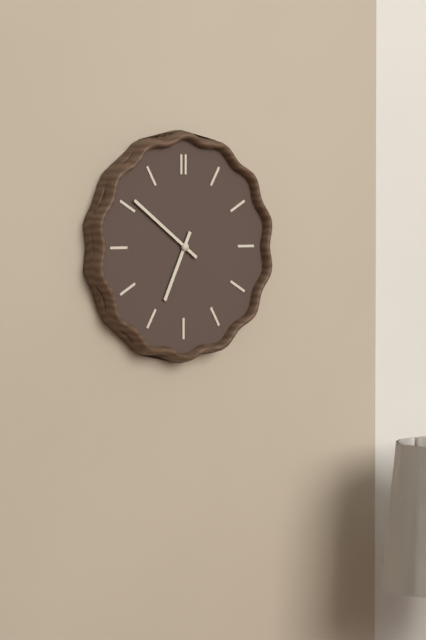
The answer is 6:51
